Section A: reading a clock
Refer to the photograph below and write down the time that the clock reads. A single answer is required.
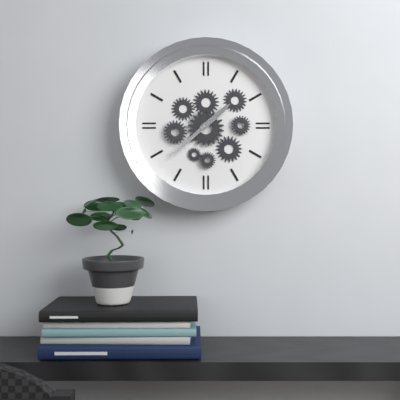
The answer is 1:38
